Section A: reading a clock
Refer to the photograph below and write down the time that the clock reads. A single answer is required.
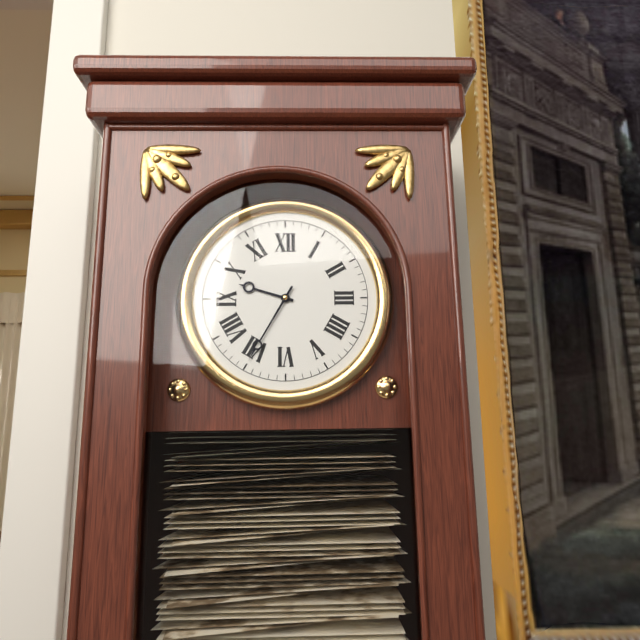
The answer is 9:35
